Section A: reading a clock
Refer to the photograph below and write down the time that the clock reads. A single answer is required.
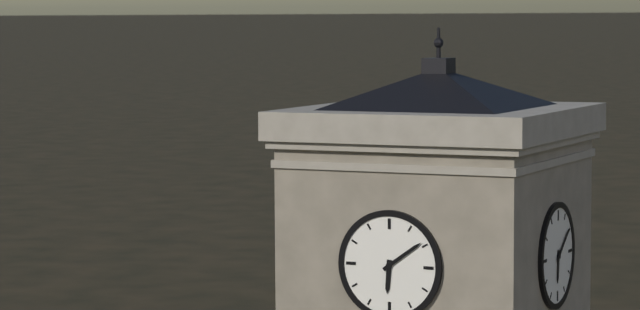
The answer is 6:09
